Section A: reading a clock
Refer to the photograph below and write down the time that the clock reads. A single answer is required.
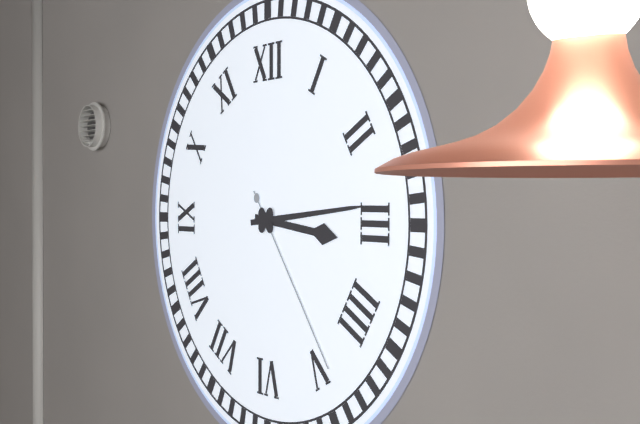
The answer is 3:14:24
